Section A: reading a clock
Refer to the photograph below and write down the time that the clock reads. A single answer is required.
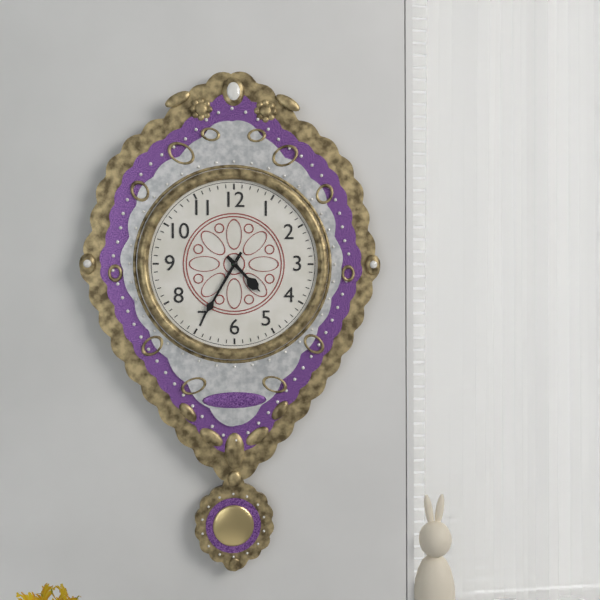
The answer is 4:35
